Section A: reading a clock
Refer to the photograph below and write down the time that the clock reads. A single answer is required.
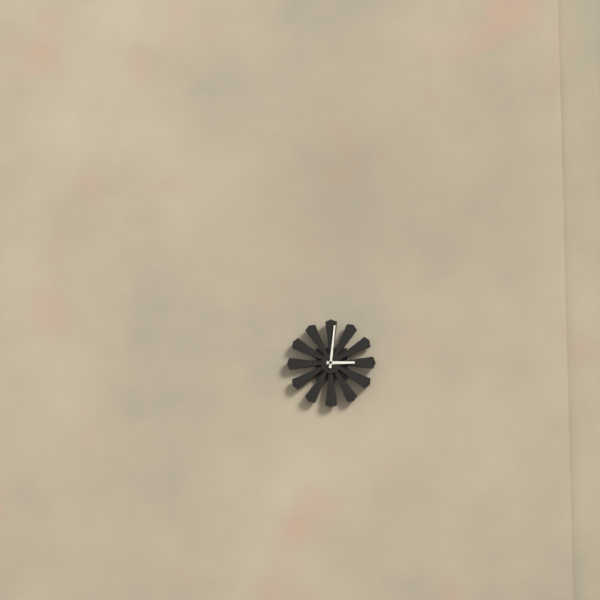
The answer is 3:01
